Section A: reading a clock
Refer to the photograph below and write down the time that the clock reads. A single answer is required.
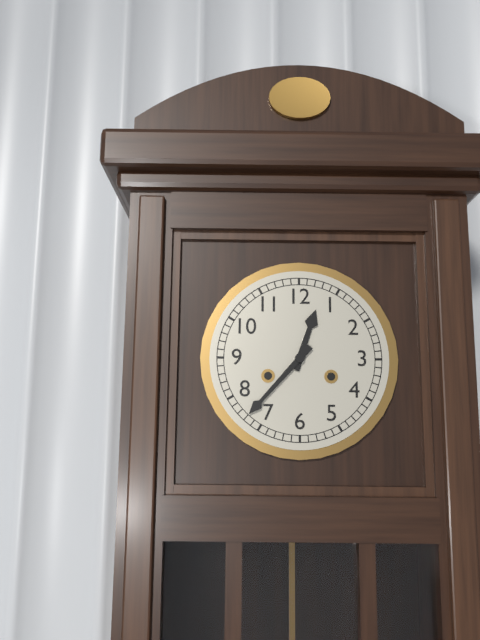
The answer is 12:37
